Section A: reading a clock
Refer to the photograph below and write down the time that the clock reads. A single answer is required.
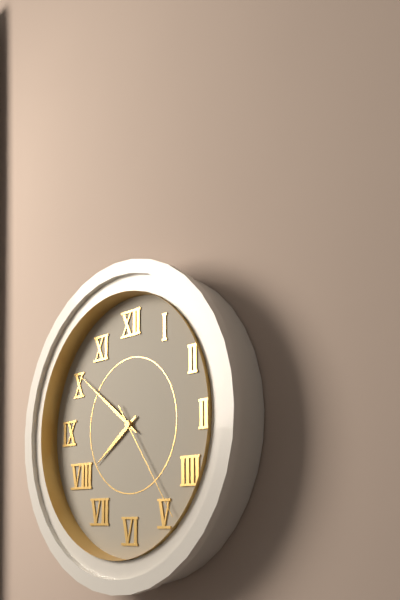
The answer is 7:51:24
